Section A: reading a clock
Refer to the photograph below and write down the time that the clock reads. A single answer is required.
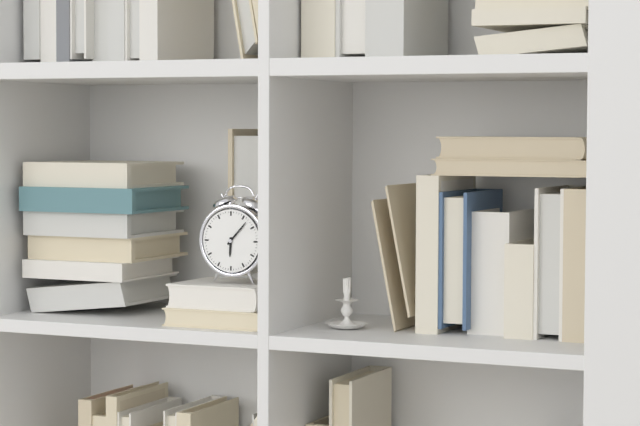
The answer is 6:07
